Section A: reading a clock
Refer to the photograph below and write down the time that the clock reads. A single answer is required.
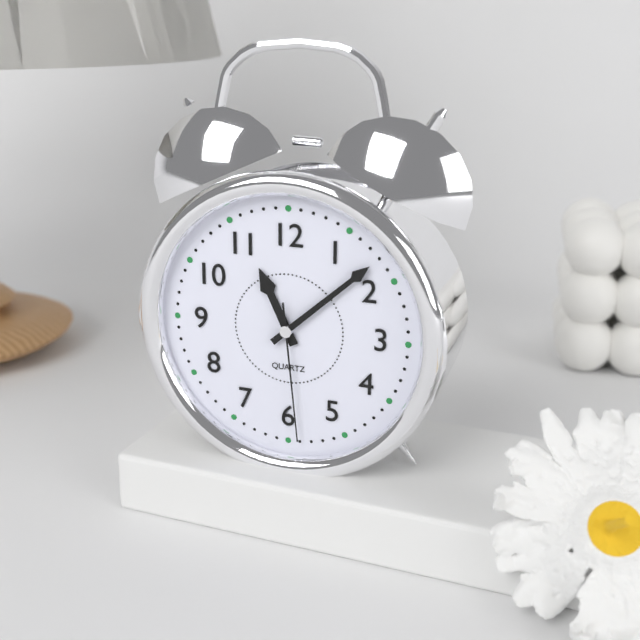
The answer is 11:08:29
